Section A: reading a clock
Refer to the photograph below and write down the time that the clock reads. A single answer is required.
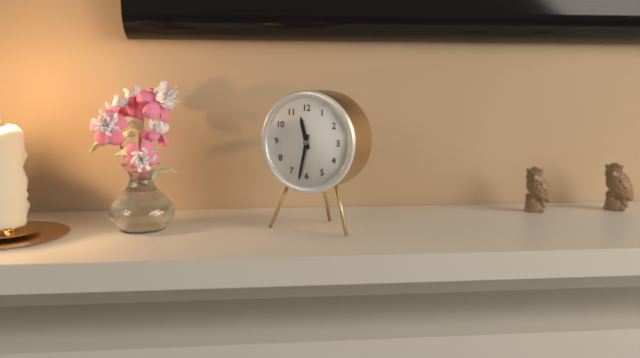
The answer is 11:32
